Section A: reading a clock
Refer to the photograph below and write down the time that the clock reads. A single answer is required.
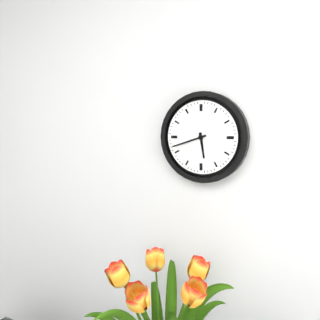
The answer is 5:42
